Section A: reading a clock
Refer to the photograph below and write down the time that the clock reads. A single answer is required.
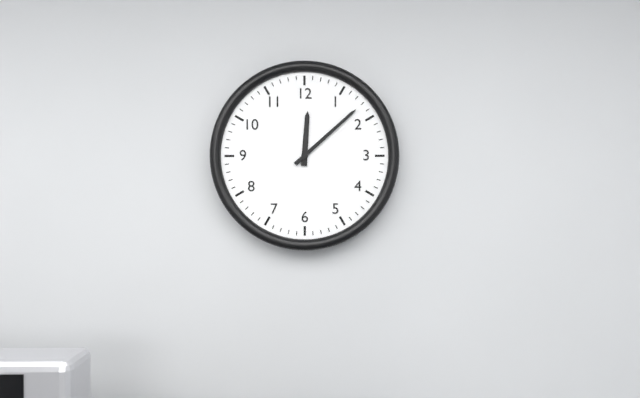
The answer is 12:08
